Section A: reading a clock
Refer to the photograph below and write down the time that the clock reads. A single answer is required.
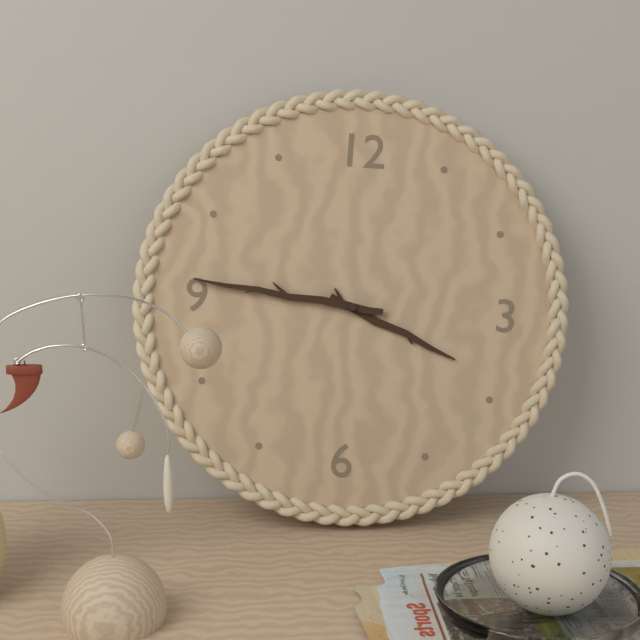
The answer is 3:46
